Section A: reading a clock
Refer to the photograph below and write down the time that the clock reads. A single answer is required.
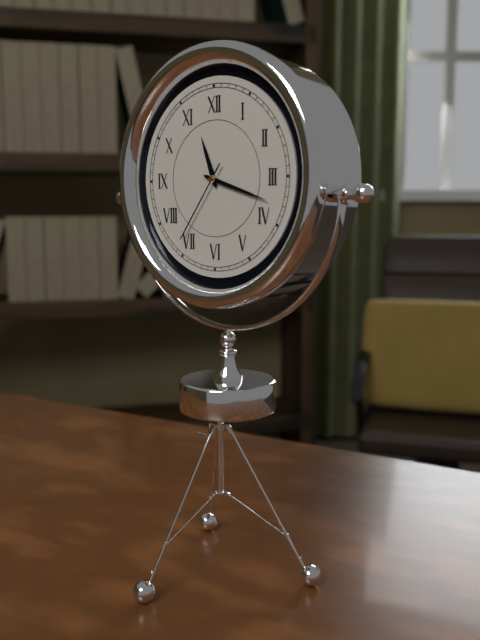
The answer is 11:18:36
